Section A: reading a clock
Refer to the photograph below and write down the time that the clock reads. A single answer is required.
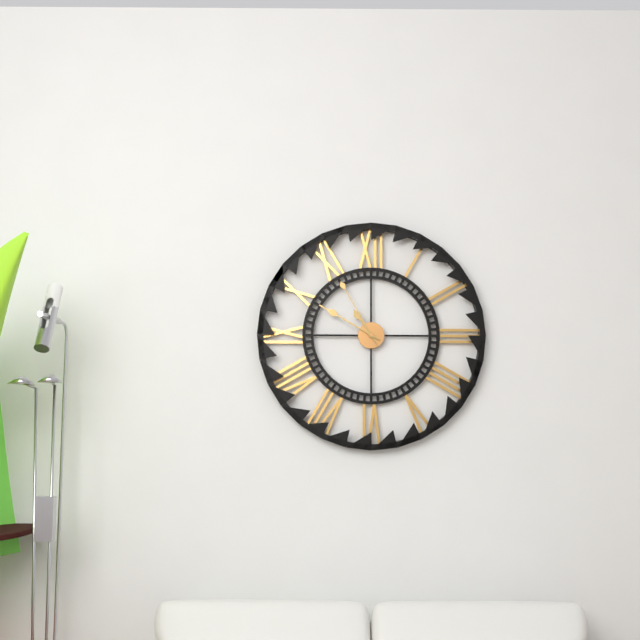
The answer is 10:50:55
